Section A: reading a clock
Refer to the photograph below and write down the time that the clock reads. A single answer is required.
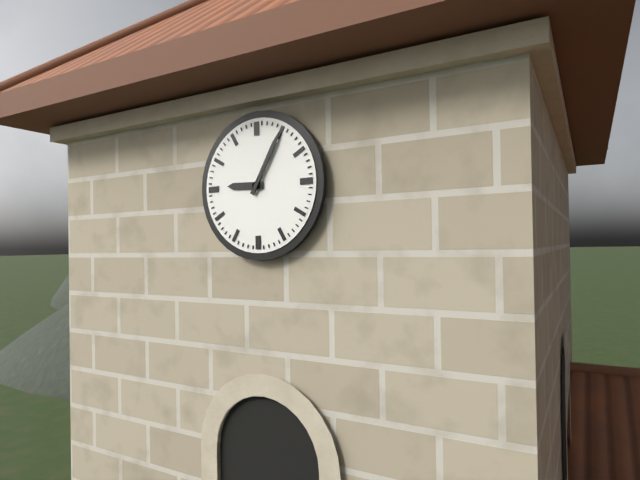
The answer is 9:05
